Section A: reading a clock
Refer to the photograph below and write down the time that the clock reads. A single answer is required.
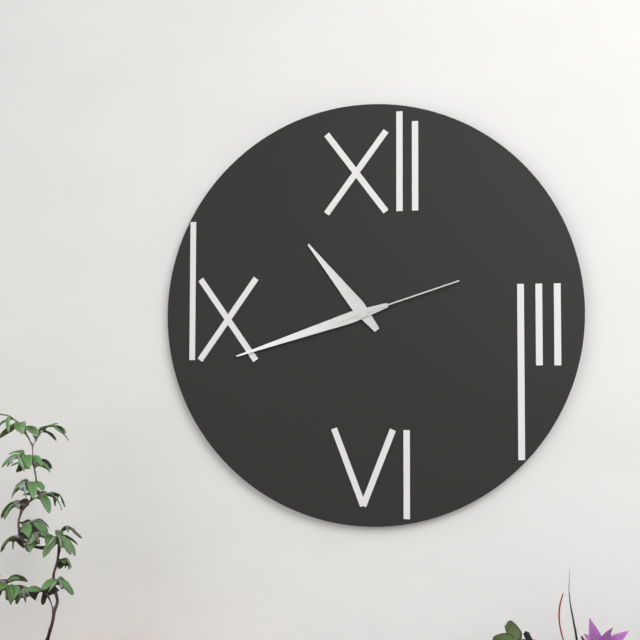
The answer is 10:42:12
